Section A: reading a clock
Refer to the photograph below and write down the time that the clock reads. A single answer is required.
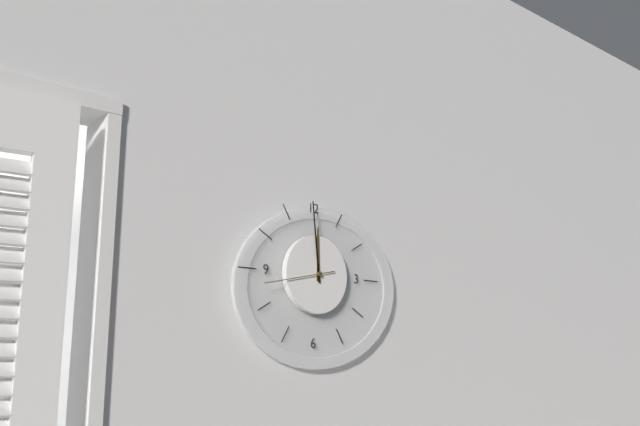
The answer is 11:59:43
